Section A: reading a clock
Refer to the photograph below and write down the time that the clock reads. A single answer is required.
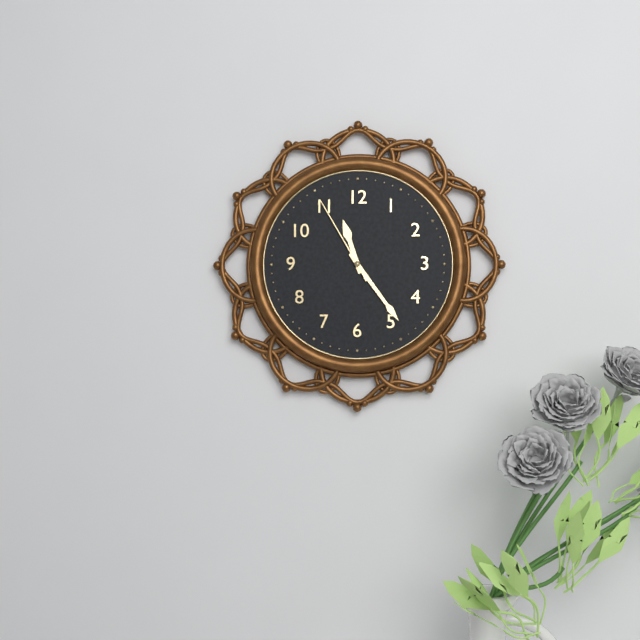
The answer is 11:24:55
